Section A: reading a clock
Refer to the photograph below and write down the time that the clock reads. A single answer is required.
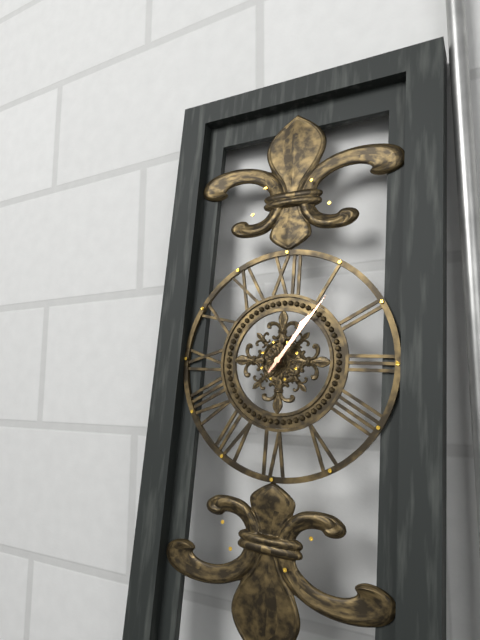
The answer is 1:06
